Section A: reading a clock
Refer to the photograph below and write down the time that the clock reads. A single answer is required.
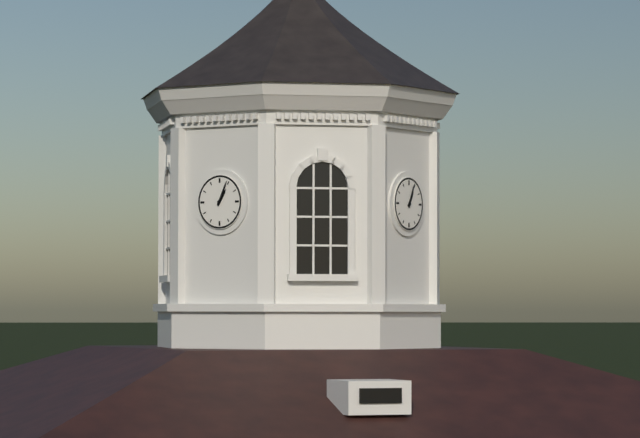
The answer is 1:04
